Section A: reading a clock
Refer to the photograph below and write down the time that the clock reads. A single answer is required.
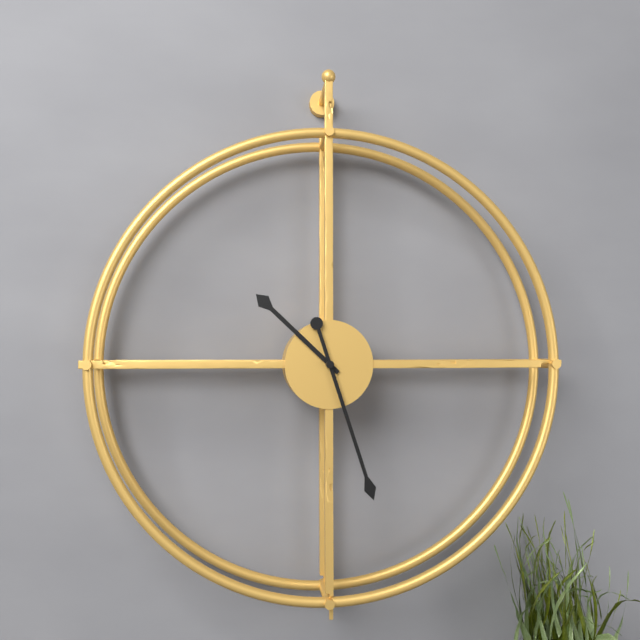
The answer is 10:27
